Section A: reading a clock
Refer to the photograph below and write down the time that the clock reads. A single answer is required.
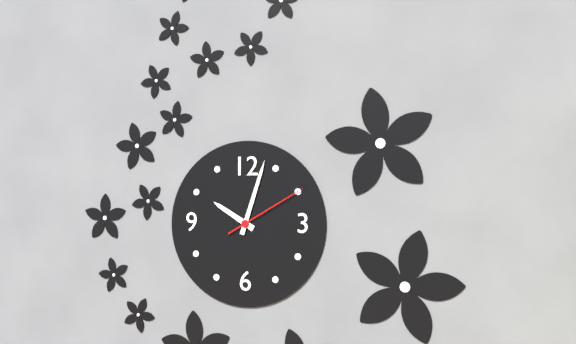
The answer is 10:03:10
